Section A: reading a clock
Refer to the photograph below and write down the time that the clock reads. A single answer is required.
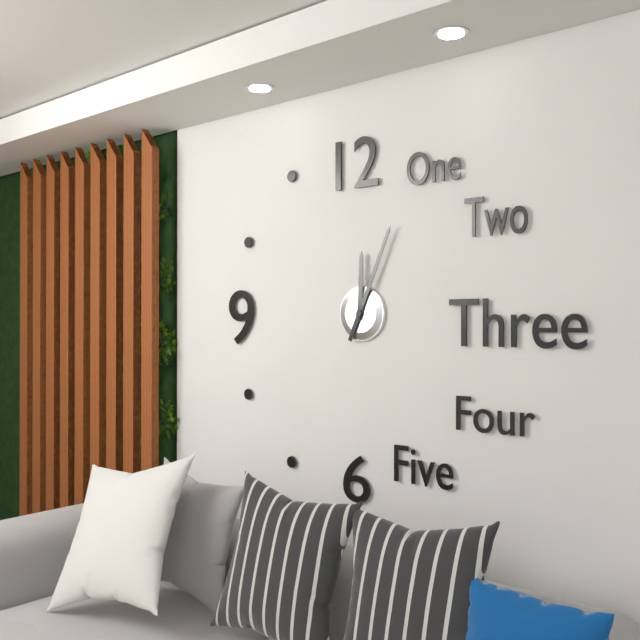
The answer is 12:04
